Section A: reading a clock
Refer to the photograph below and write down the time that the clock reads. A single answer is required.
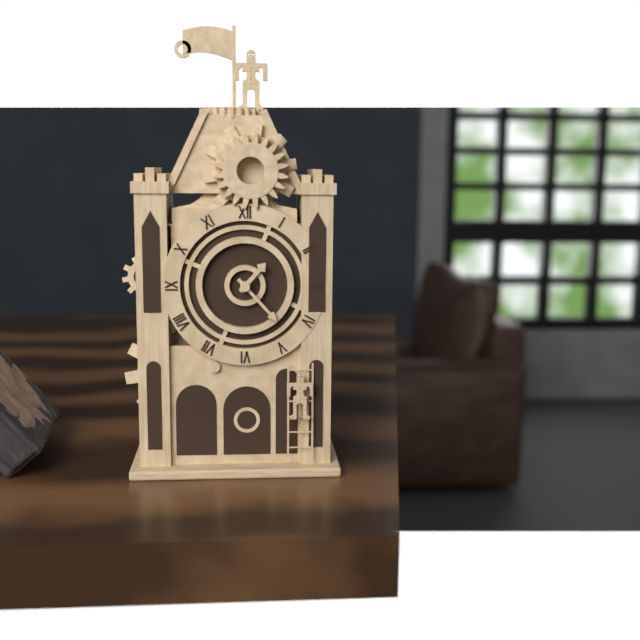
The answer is 1:23
